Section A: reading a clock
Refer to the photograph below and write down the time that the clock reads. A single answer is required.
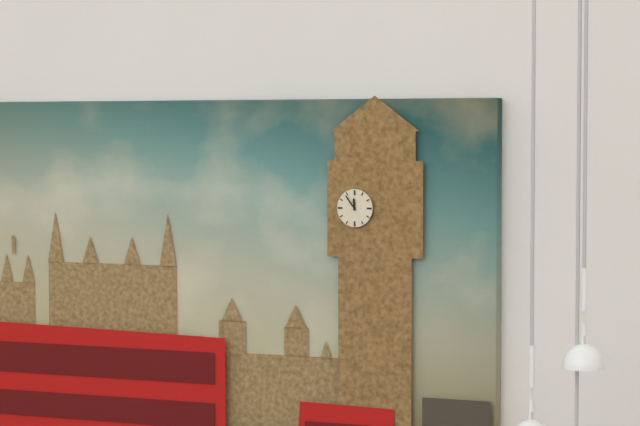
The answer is 11:54
